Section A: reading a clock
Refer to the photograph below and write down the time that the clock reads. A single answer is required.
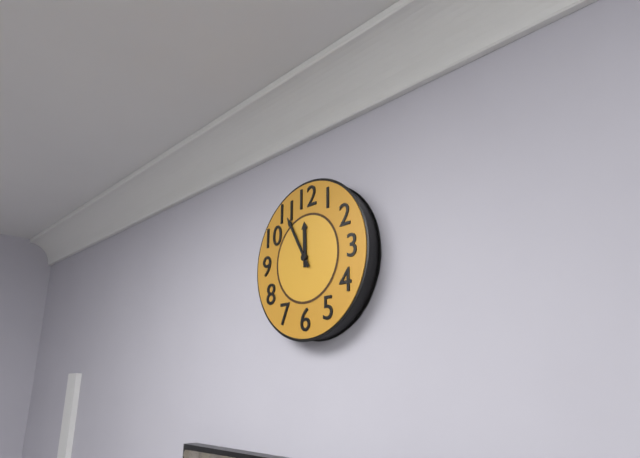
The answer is 11:55
